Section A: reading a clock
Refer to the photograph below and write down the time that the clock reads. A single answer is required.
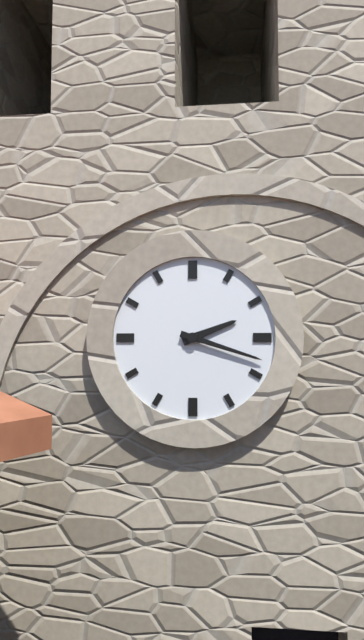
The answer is 2:18
